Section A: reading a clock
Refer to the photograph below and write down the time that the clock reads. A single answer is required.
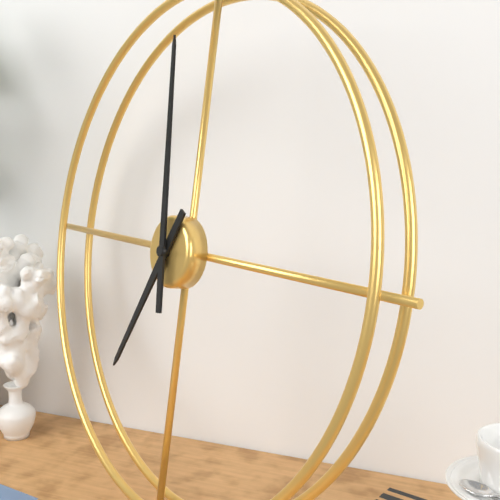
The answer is 6:59
